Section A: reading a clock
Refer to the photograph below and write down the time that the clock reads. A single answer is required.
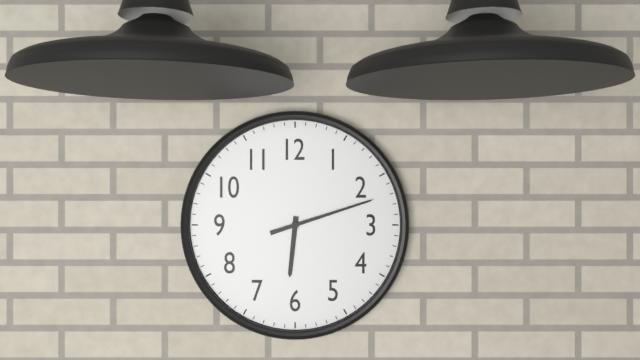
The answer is 6:12
